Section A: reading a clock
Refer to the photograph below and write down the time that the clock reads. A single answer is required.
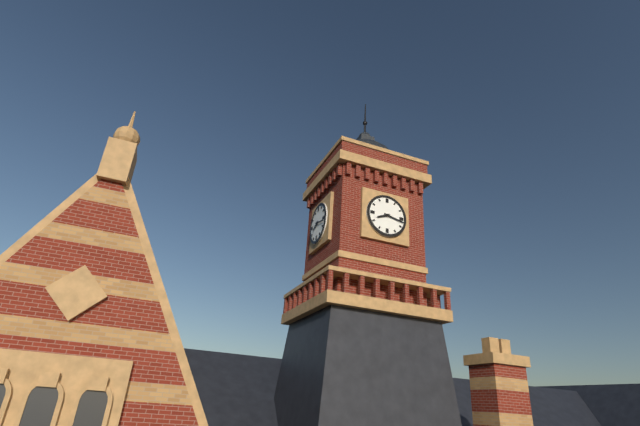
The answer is 8:17
